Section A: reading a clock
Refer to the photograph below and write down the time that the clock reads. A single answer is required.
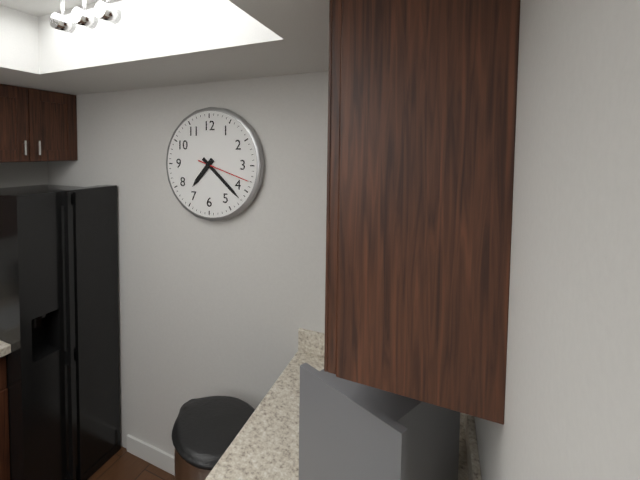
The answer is 7:22:18
